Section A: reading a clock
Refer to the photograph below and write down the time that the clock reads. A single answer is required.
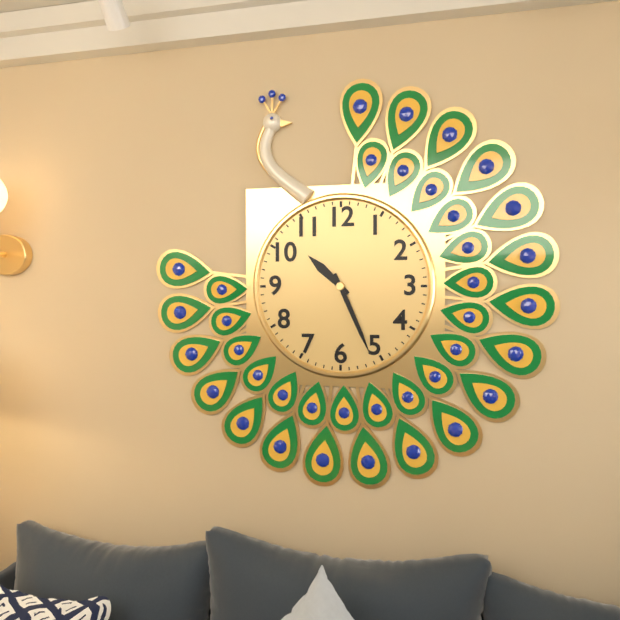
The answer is 10:26
